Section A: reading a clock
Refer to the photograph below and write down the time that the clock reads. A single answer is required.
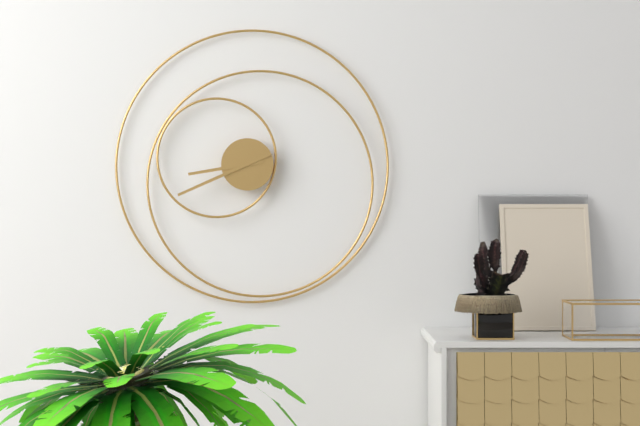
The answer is 8:41
